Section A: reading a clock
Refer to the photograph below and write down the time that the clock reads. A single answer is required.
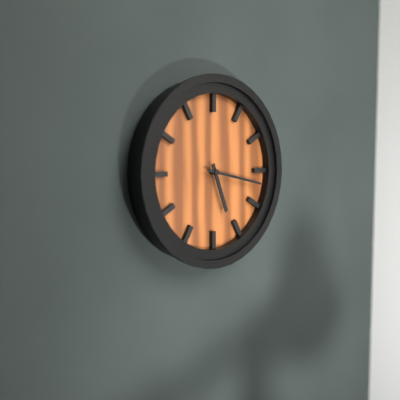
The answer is 5:17
